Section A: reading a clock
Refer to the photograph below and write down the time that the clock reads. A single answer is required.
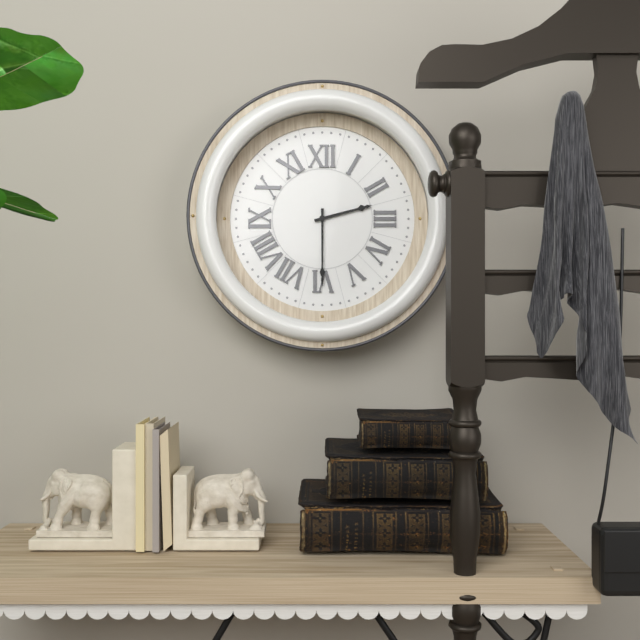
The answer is 2:30
